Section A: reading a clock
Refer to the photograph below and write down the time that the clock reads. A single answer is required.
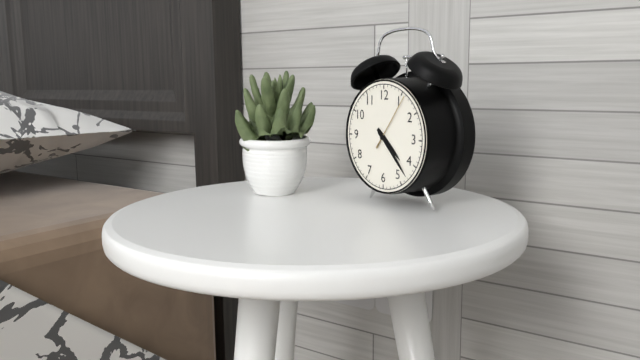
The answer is 4:23:06
